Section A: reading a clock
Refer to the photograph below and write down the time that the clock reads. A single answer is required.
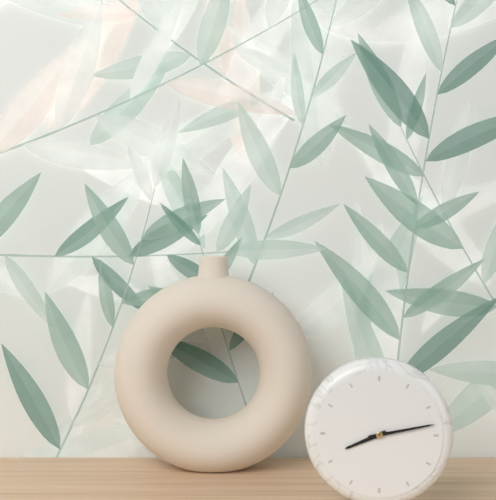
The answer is 8:13
